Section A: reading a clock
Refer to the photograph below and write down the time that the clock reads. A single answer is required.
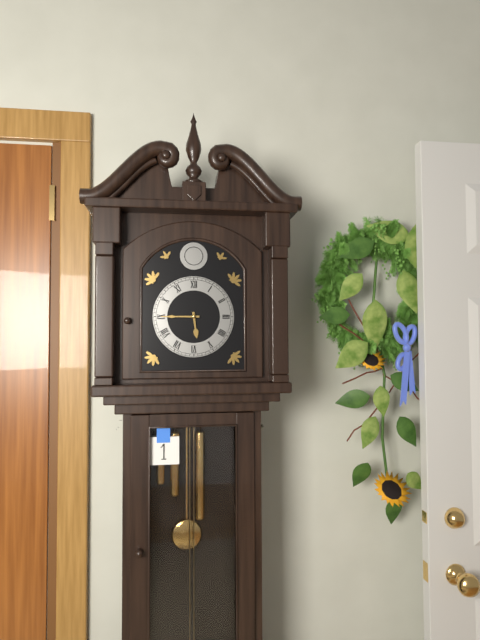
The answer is 5:45
